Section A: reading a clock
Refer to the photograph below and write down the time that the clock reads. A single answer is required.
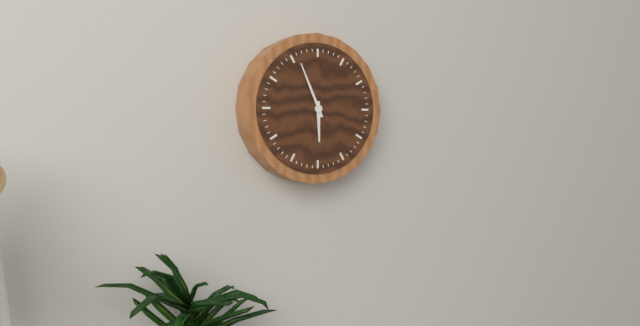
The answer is 5:56
